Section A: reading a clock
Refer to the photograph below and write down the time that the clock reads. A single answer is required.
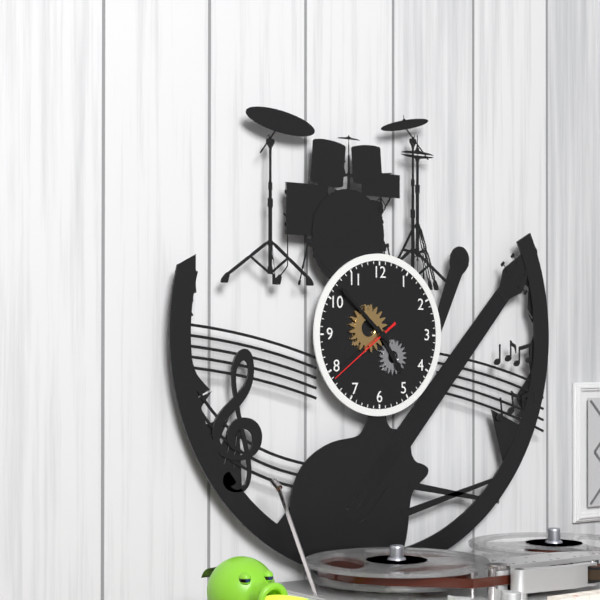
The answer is 4:52:39
